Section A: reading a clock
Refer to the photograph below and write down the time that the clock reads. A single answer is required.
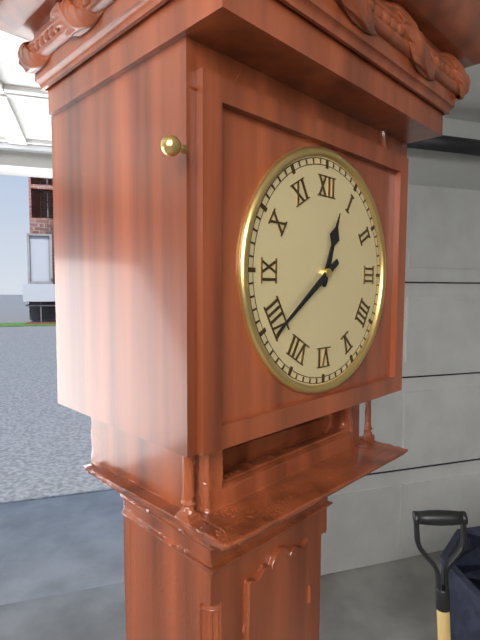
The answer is 12:39
